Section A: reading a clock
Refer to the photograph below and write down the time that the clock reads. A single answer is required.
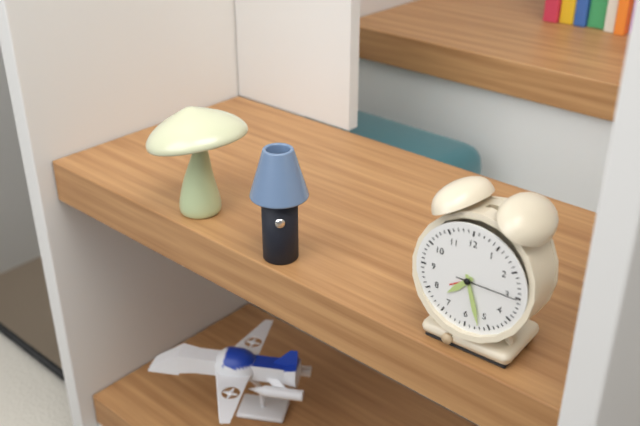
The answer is 7:27:15
